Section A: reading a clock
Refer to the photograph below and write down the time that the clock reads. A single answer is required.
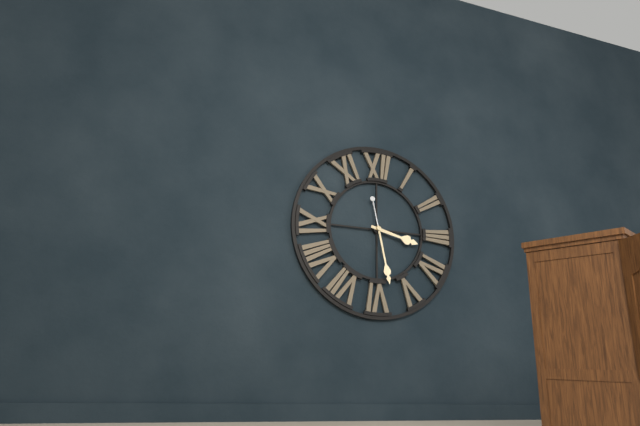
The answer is 3:28
